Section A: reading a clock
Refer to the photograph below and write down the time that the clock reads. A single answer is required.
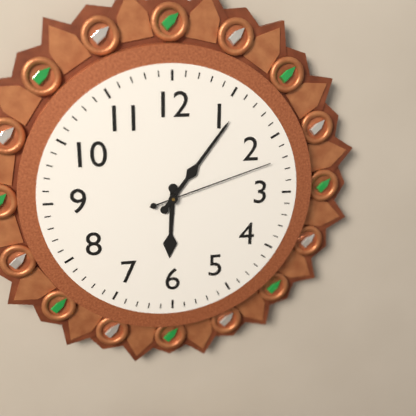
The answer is 6:06:12
